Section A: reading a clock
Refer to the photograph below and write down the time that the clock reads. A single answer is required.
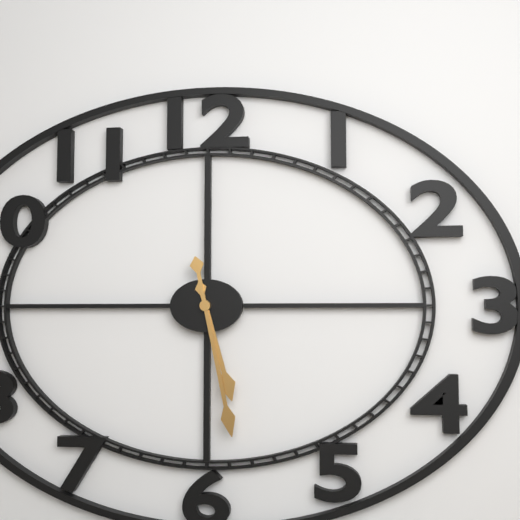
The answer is 5:28
